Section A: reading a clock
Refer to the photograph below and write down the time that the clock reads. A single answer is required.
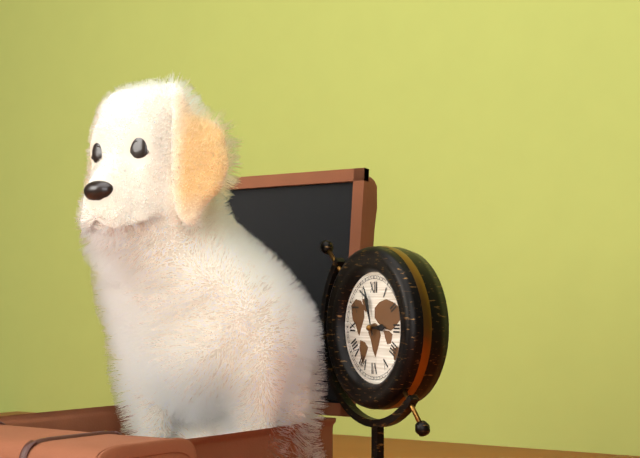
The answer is 2:57
